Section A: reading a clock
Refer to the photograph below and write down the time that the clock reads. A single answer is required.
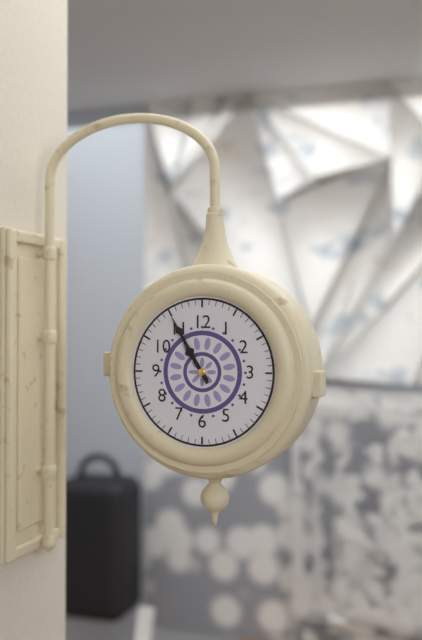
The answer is 10:55
